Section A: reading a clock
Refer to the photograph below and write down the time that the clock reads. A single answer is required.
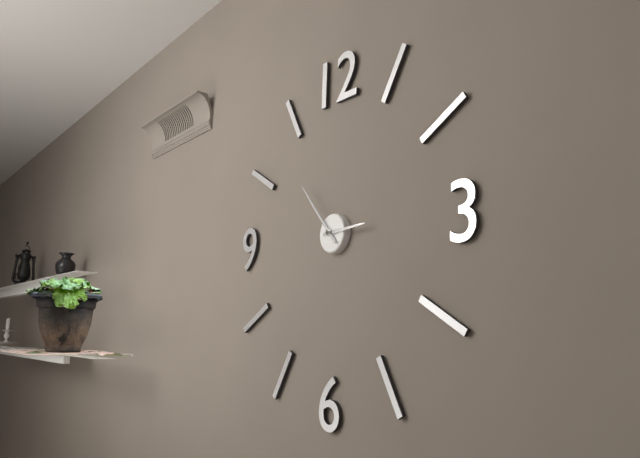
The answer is 2:53
